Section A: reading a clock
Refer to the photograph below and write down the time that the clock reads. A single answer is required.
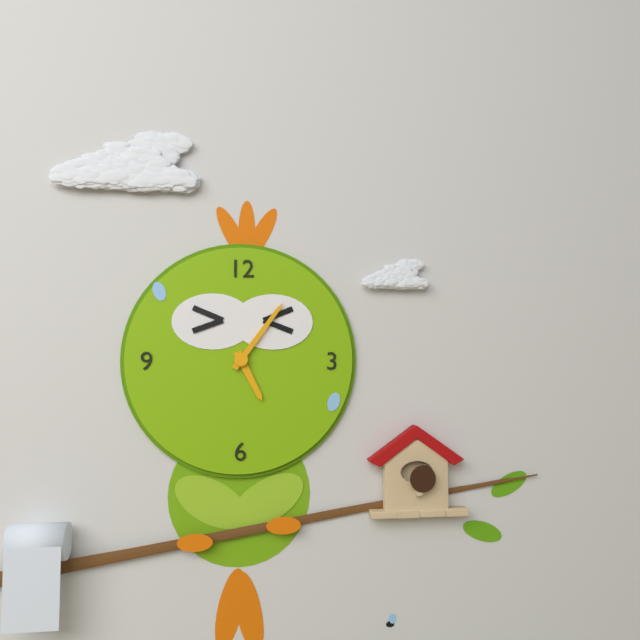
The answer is 5:06
